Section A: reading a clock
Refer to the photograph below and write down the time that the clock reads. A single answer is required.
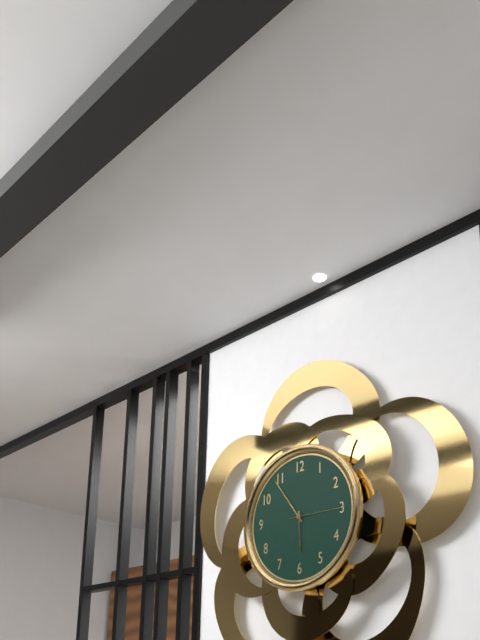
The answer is 5:54:15
